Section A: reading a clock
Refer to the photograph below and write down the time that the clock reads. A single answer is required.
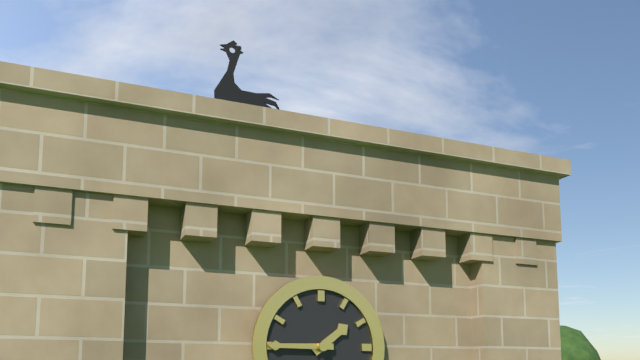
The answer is 1:45
